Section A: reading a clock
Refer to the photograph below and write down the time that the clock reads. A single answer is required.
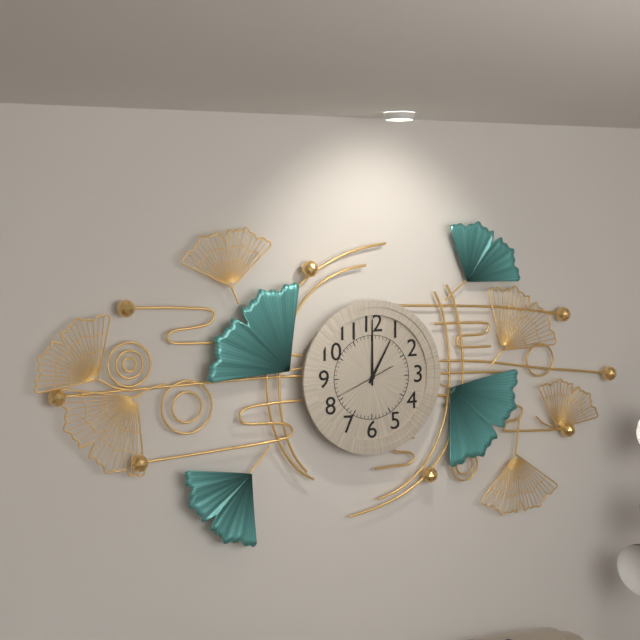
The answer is 1:00
